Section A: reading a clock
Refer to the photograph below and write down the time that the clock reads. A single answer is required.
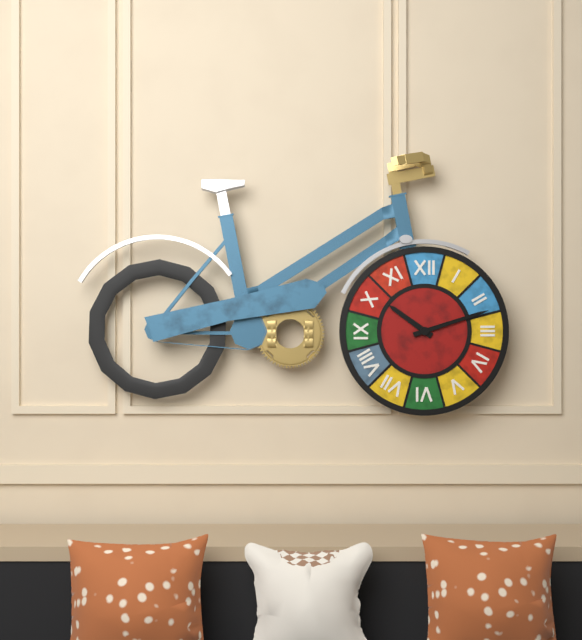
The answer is 10:12
